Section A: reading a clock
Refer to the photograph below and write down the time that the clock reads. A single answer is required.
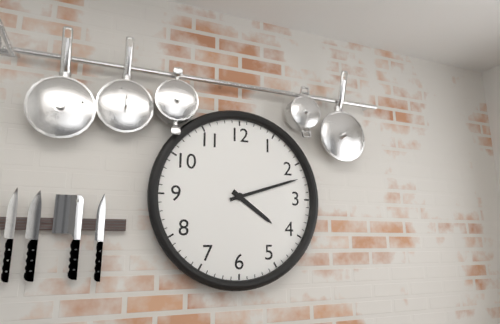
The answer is 4:12
